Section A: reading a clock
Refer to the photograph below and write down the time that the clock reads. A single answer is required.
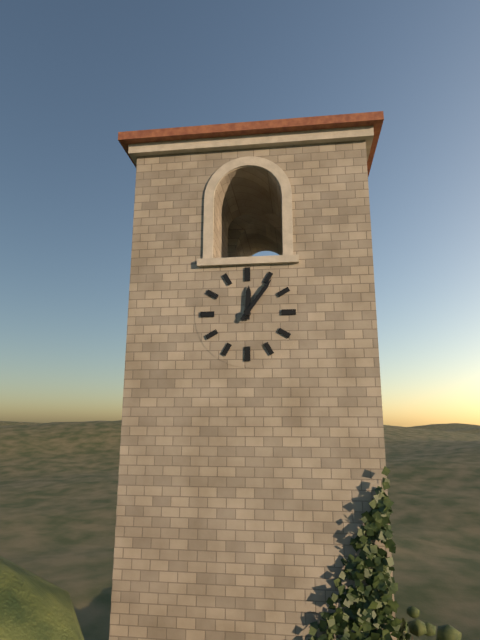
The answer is 12:06
